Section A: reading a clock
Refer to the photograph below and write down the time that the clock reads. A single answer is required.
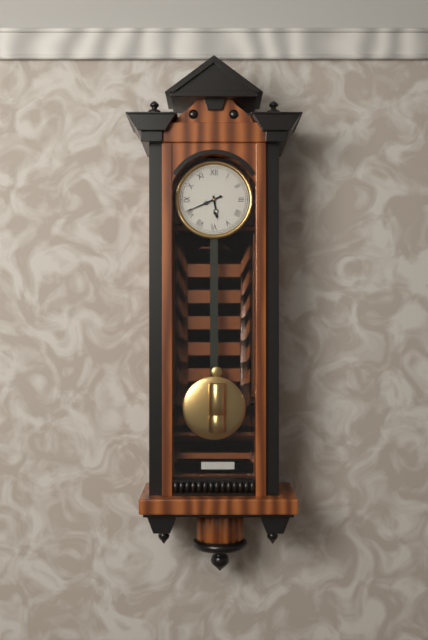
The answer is 5:41
